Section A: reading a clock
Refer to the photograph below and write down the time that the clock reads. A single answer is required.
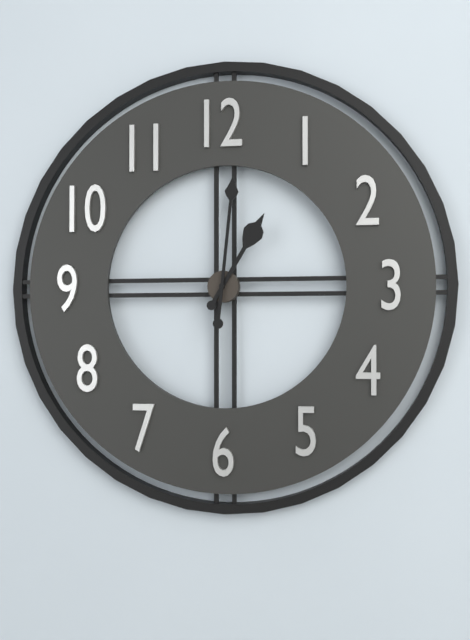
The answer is 1:01
